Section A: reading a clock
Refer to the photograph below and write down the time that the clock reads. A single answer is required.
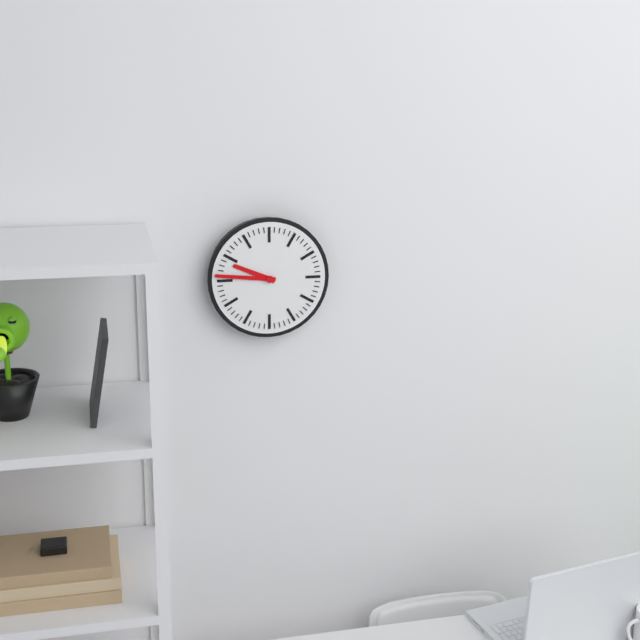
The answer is 9:46
